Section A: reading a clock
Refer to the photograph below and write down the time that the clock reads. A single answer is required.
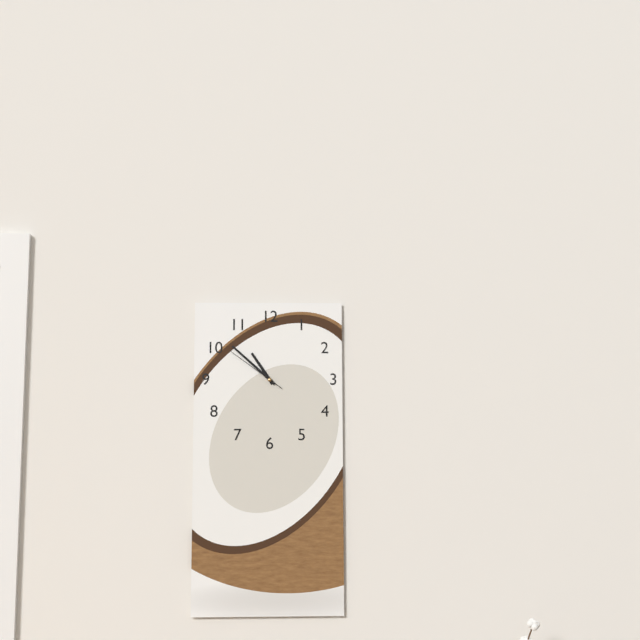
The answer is 10:52:51
